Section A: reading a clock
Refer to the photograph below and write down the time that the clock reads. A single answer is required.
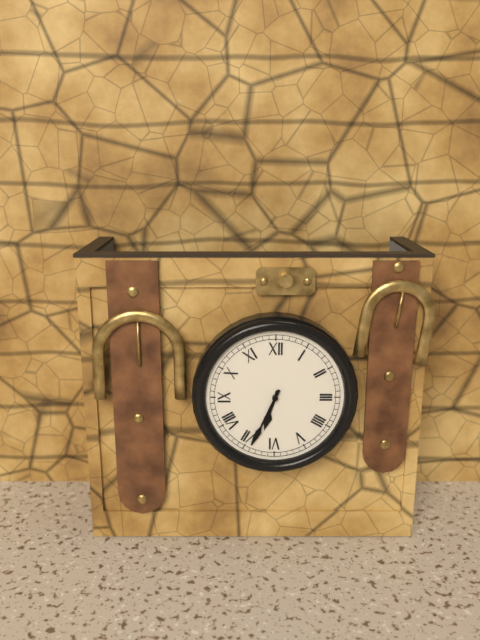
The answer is 6:34
